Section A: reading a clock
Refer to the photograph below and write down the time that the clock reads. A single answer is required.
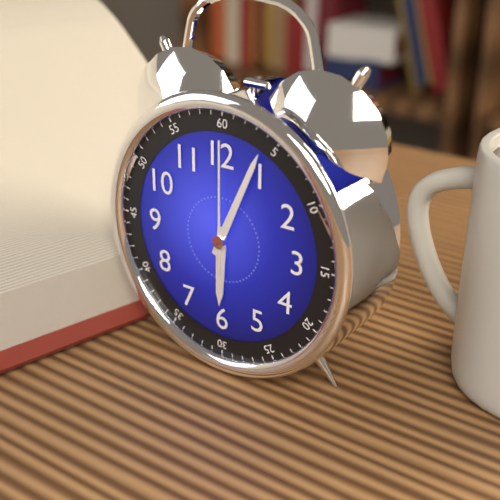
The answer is 6:04:00
